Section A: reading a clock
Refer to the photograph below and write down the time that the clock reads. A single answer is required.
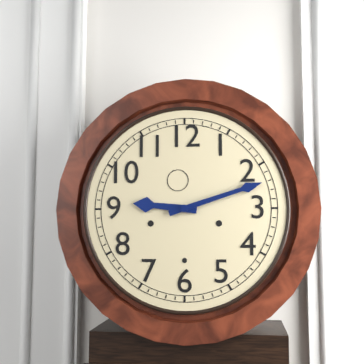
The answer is 9:12
